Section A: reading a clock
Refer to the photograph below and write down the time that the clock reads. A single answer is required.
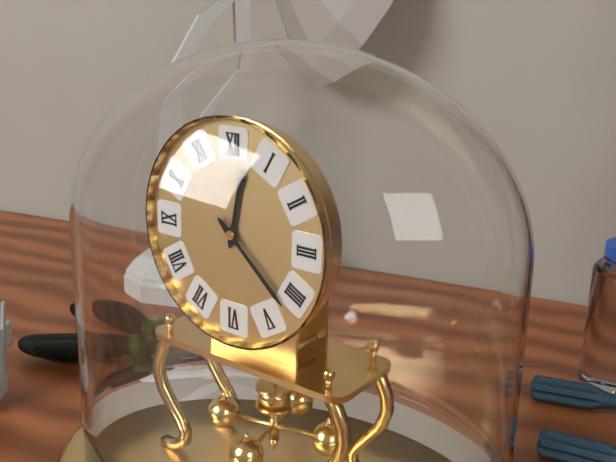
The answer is 12:22
